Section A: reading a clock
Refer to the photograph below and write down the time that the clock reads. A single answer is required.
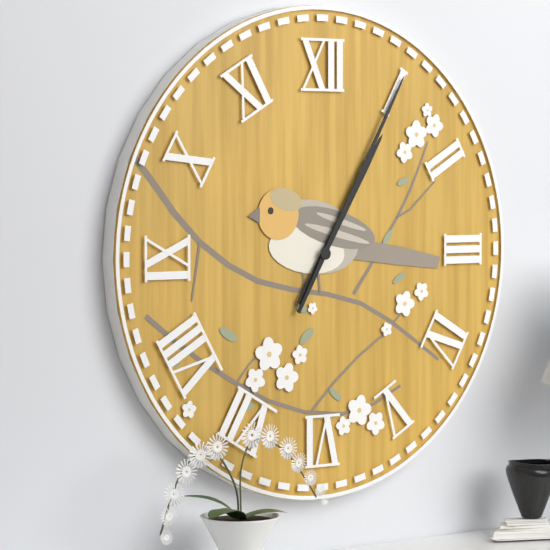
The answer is 1:05
